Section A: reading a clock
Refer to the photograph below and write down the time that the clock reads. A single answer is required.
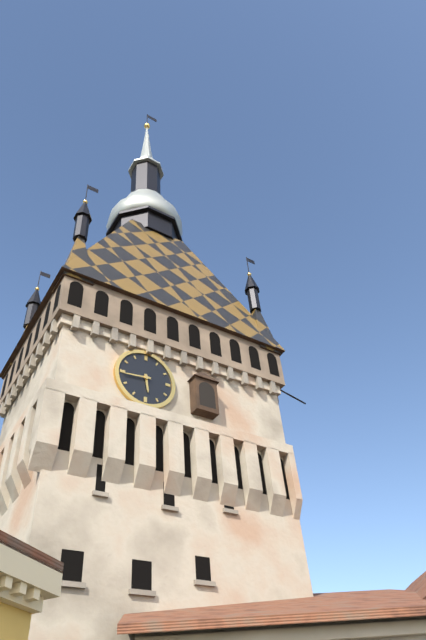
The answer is 5:44
